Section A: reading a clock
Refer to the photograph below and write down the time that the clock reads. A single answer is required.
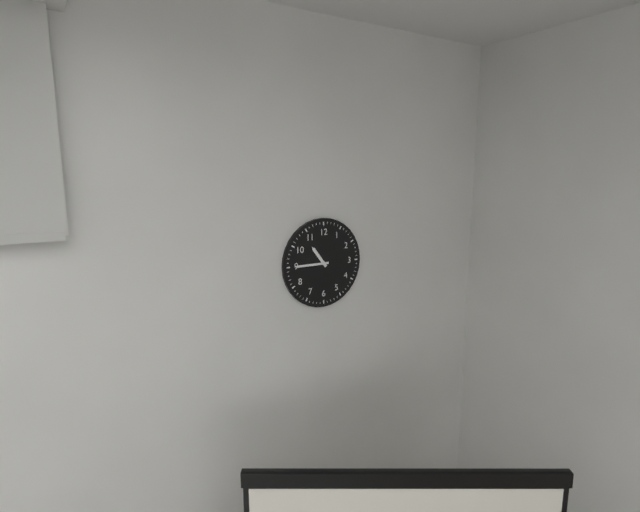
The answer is 10:45
